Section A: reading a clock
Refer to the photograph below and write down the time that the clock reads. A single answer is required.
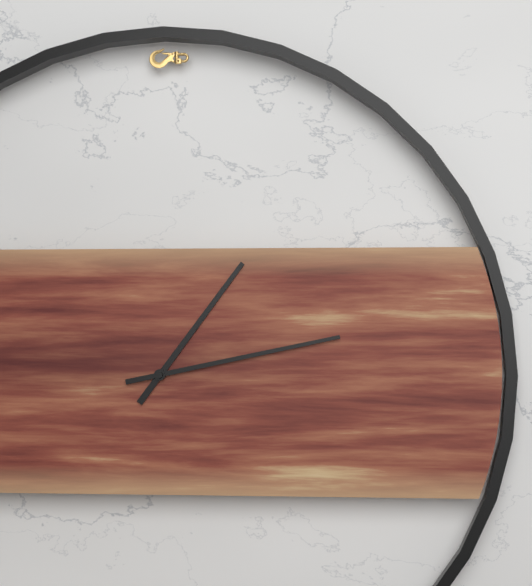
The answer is 1:13
